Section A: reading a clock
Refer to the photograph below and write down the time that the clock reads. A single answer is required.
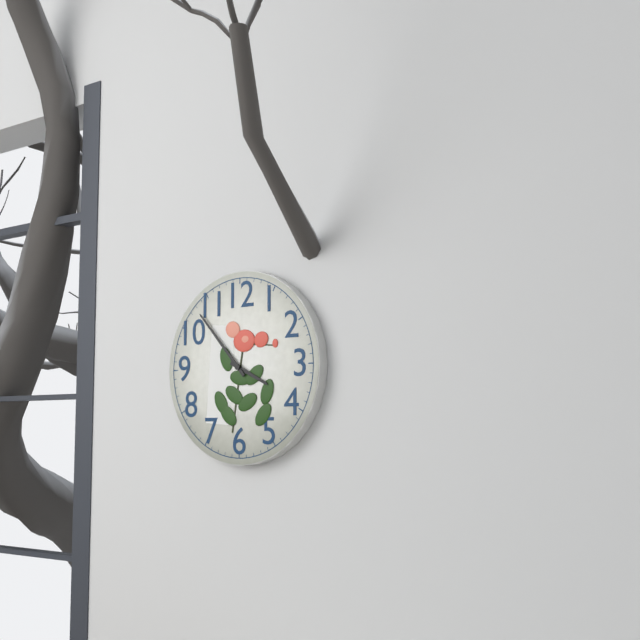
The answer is 3:53
